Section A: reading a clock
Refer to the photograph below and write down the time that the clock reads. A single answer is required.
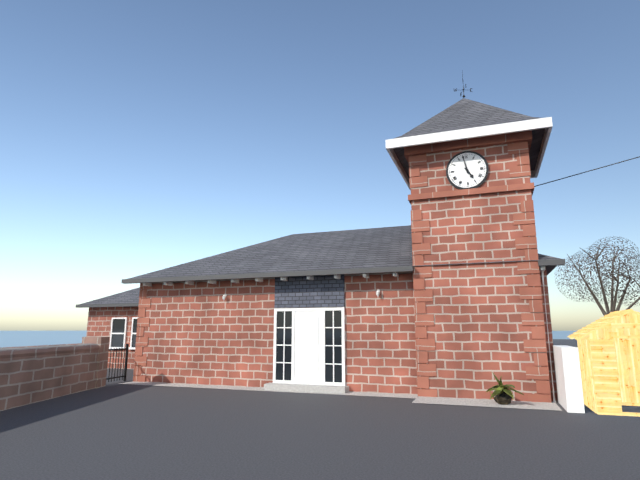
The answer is 4:58
